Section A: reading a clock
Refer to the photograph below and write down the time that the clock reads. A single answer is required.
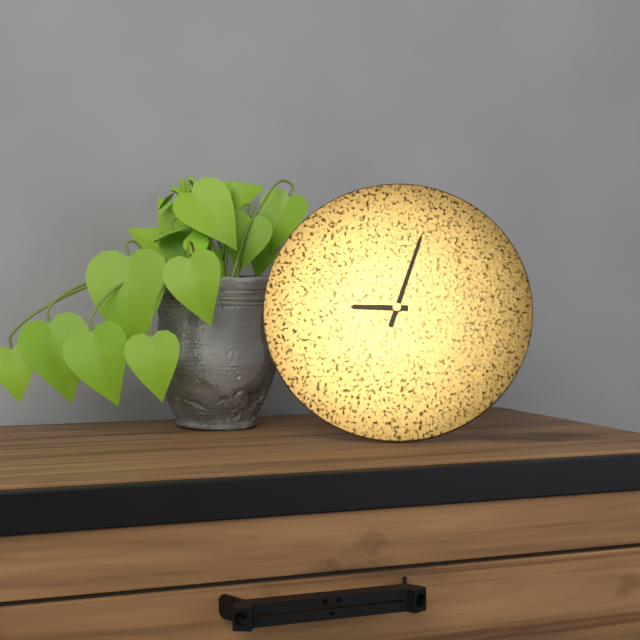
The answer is 9:03
